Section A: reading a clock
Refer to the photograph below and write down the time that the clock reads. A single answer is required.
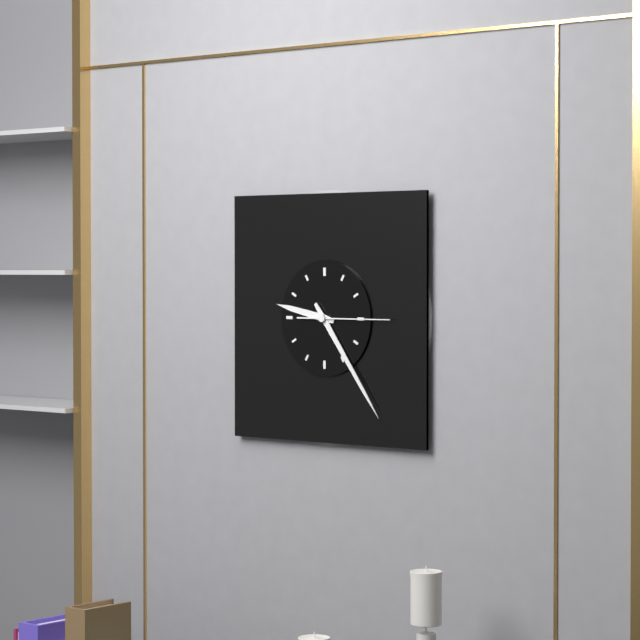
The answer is 9:24:15
